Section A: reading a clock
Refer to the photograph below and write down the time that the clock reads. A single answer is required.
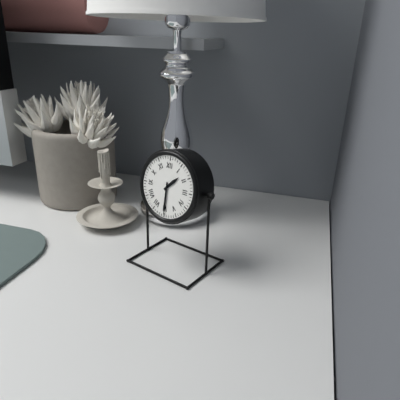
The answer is 1:30
